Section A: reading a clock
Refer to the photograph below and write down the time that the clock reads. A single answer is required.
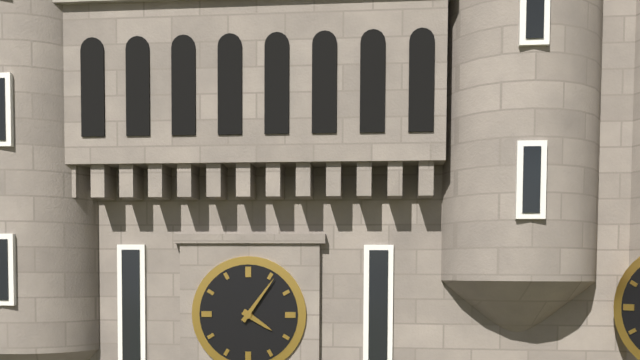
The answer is 4:06
